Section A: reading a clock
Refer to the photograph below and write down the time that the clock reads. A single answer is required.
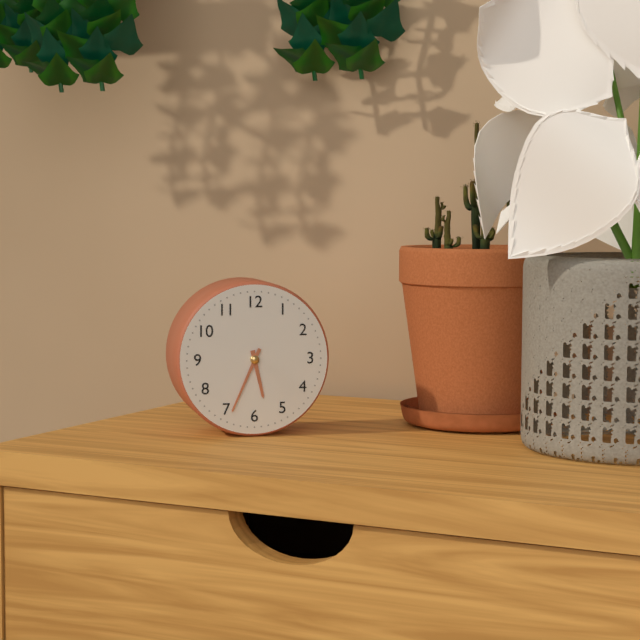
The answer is 5:34
